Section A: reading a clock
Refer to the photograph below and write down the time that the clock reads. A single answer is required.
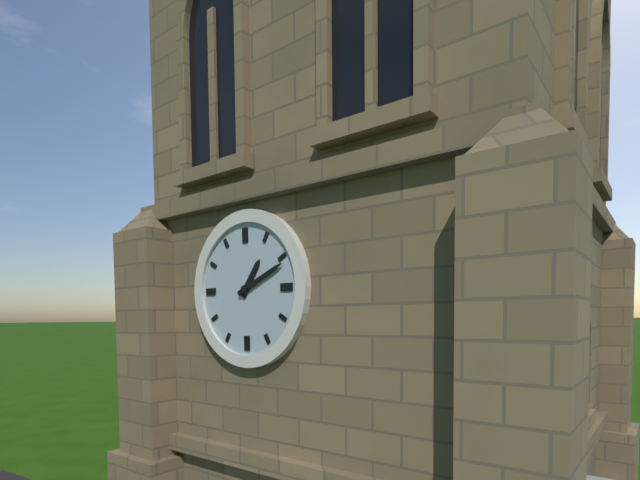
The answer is 1:11
